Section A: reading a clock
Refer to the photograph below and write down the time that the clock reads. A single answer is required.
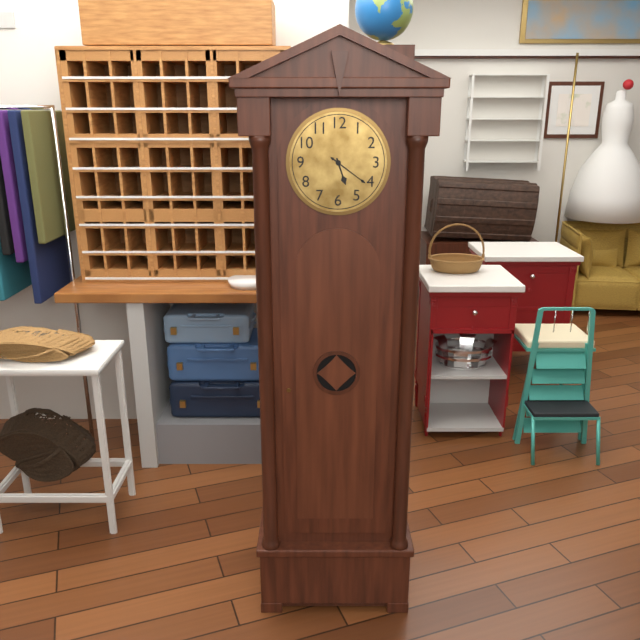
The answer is 5:21
